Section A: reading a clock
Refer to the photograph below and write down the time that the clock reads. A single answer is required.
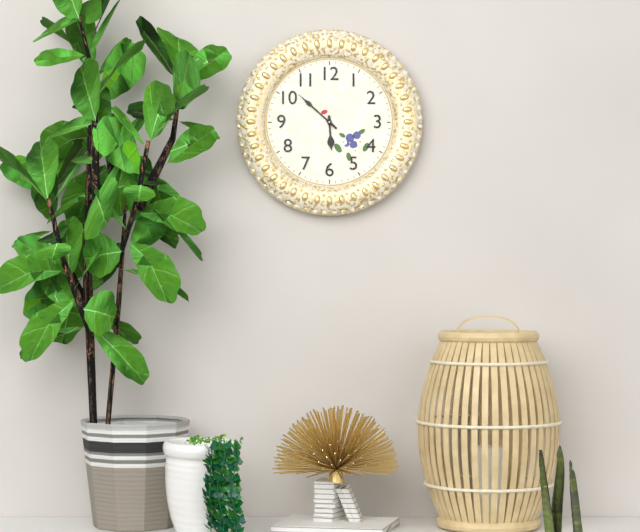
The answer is 5:52
